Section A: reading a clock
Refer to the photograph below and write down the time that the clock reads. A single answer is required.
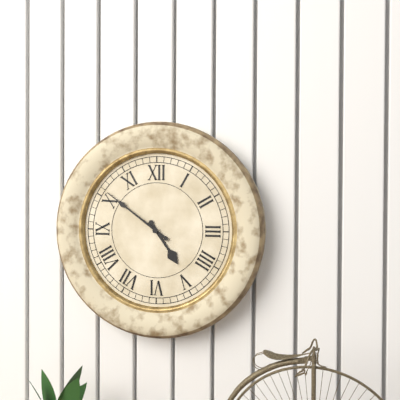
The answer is 4:51
